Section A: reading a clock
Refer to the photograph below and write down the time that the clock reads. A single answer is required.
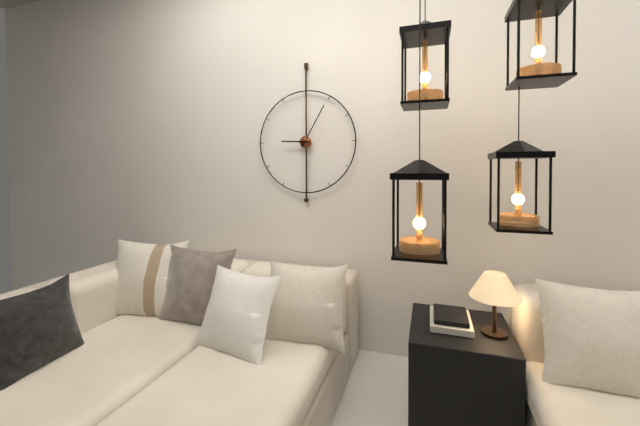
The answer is 9:05
